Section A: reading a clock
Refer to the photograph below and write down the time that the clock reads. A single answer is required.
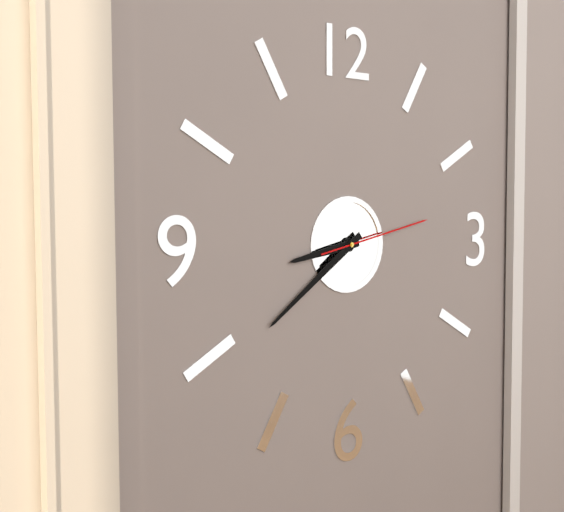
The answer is 8:39:13
